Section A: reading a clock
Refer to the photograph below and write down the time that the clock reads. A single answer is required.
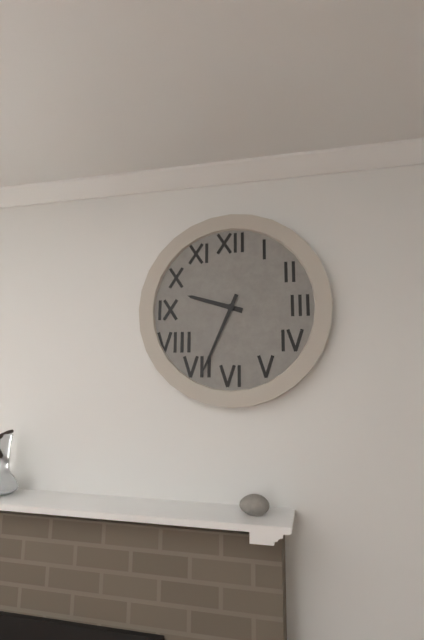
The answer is 9:34
